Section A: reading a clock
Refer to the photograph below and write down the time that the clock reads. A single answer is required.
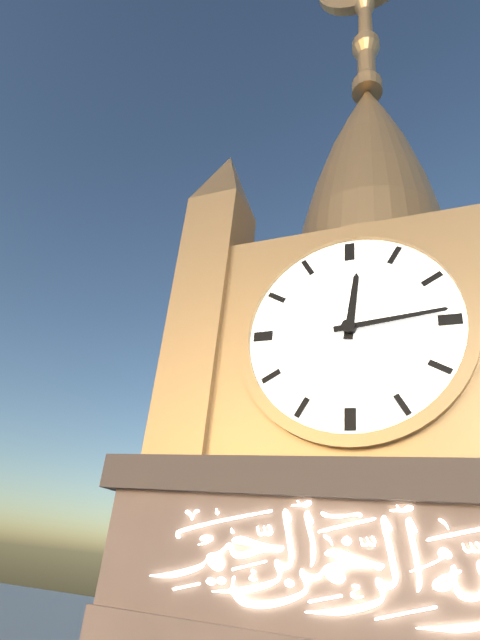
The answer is 12:14
